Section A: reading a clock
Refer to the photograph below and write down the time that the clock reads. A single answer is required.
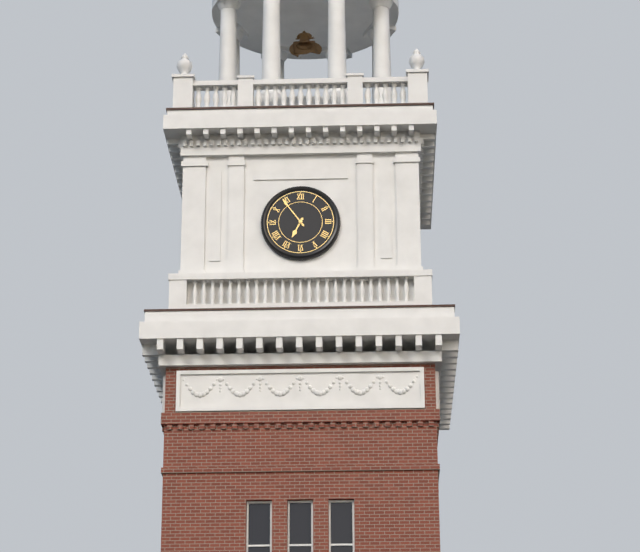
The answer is 6:54
